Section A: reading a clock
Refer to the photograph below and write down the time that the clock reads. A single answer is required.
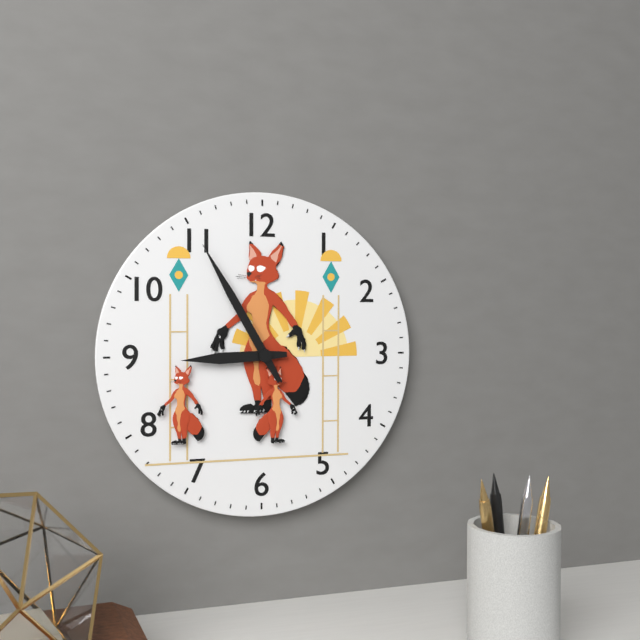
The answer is 8:55
